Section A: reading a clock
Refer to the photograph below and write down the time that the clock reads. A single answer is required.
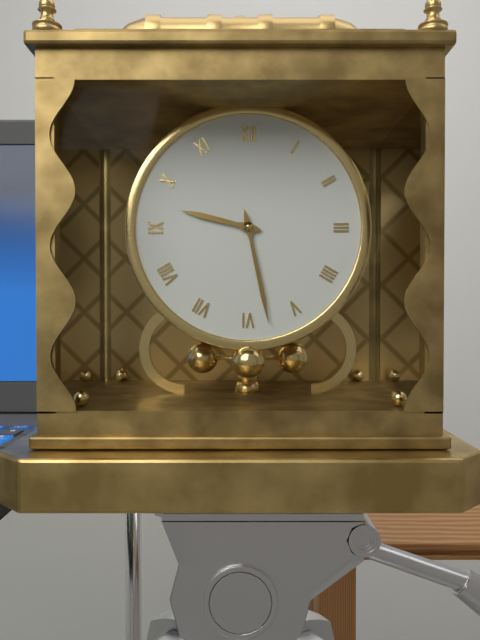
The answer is 9:28
